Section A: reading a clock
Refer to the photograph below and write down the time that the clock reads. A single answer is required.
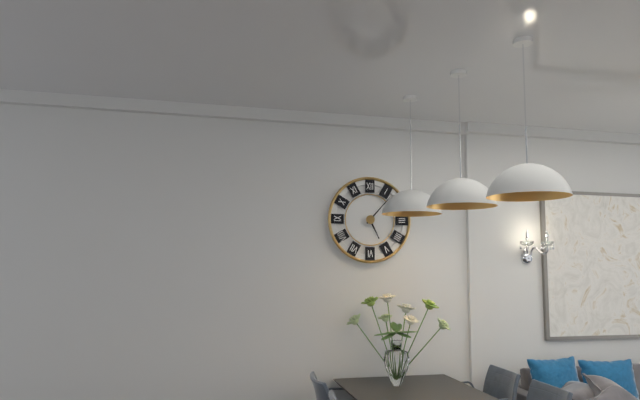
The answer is 5:07
